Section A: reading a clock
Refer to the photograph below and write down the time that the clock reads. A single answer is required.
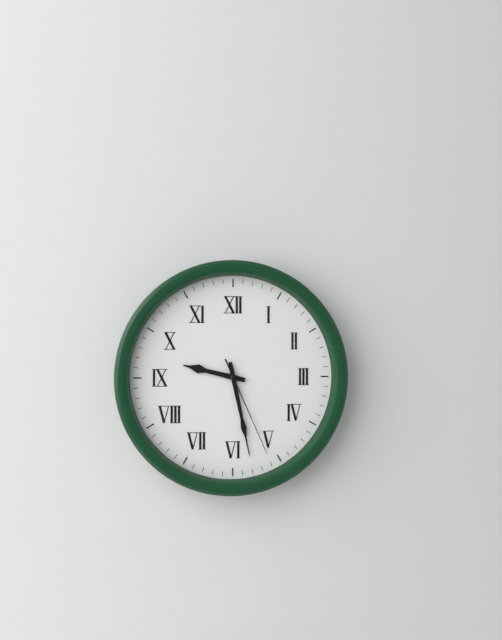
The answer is 9:28:26
